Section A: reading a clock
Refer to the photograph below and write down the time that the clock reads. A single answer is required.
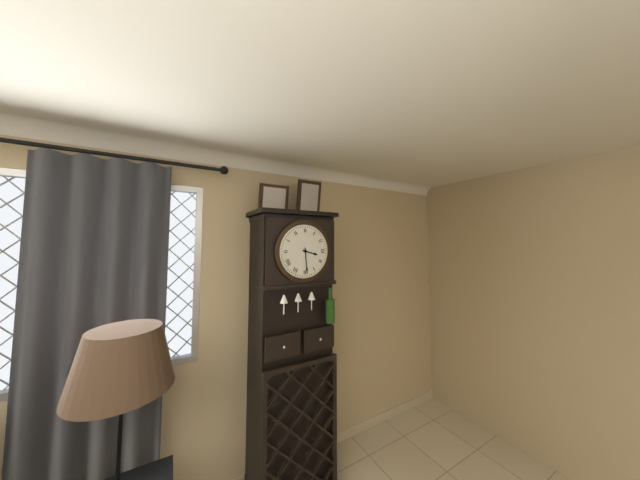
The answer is 3:29
